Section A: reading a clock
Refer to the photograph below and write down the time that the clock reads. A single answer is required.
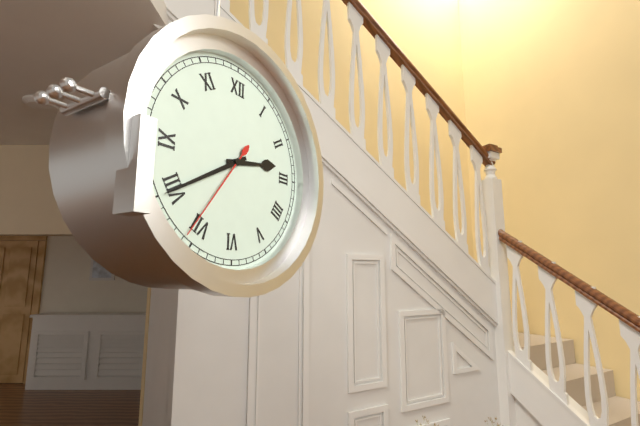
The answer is 2:40:36
